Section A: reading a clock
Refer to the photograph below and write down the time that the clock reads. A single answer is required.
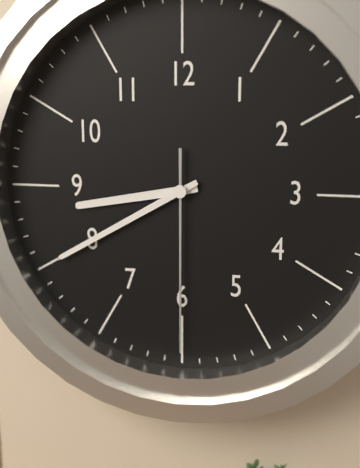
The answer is 8:40:30
